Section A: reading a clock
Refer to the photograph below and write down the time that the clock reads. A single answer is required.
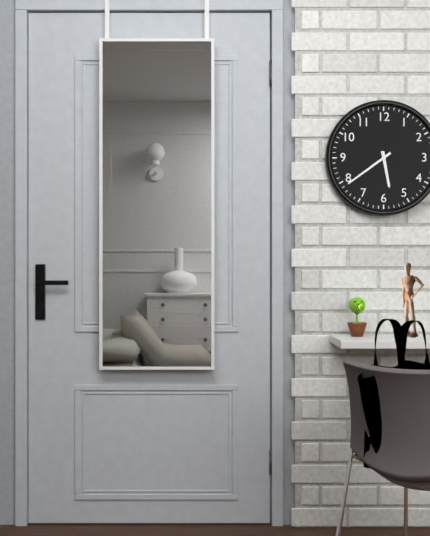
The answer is 5:39
